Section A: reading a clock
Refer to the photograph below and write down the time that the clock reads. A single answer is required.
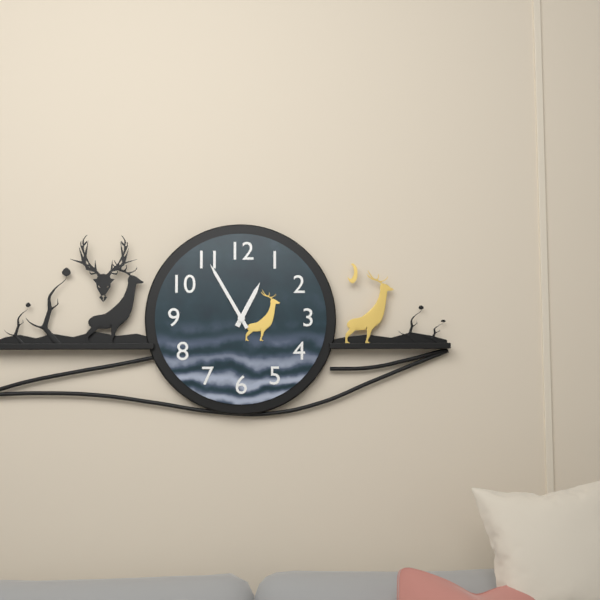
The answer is 12:55
